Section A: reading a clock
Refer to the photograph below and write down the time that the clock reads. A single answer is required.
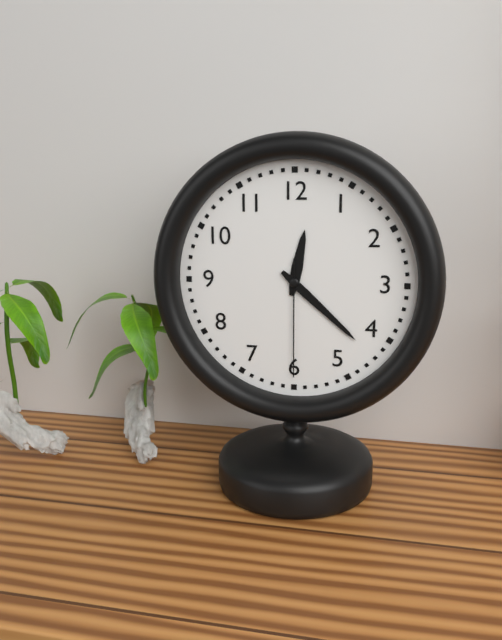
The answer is 12:22:30
